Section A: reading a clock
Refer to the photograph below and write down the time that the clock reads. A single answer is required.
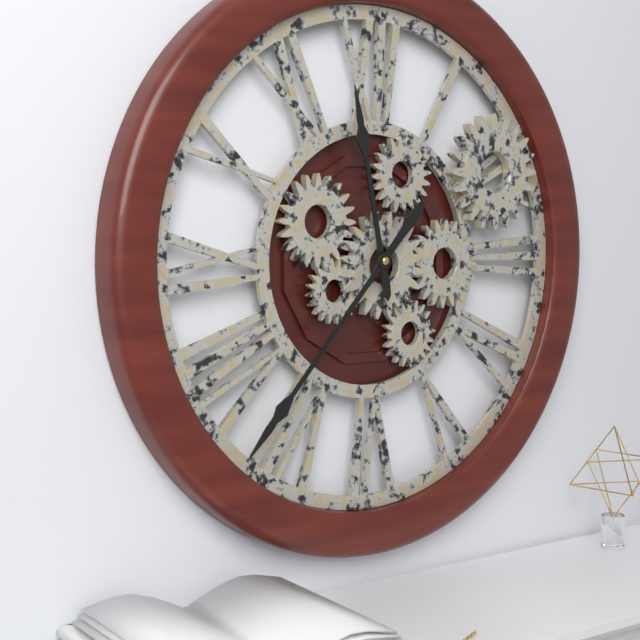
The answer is 11:37
